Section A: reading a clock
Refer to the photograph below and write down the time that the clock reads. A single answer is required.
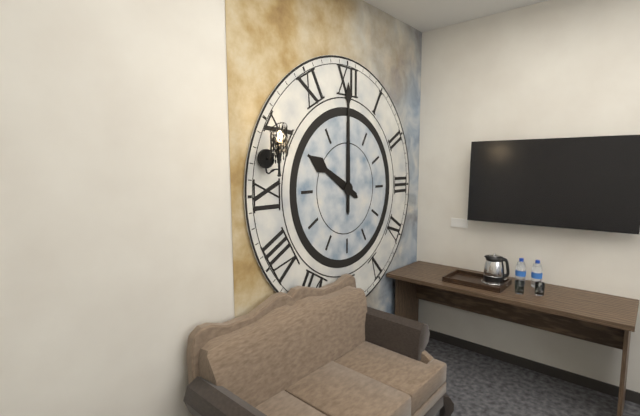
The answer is 10:00
